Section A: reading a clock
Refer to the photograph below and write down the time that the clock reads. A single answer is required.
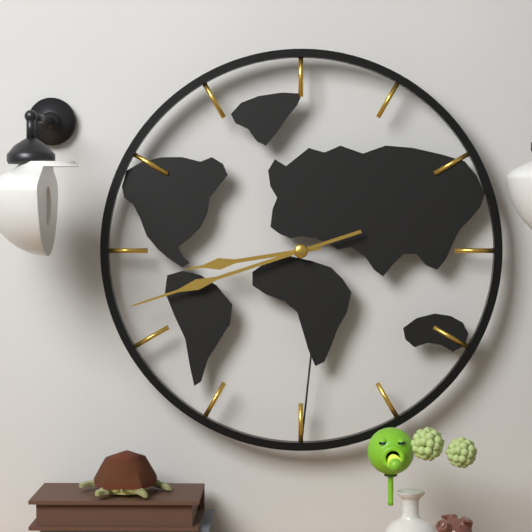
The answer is 8:42
